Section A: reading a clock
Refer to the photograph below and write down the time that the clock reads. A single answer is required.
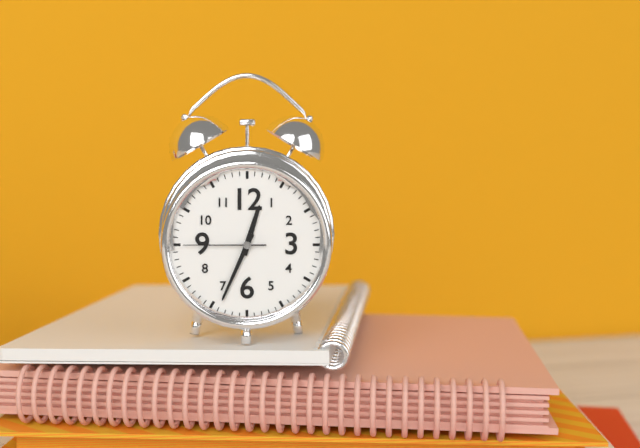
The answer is 12:34:45
